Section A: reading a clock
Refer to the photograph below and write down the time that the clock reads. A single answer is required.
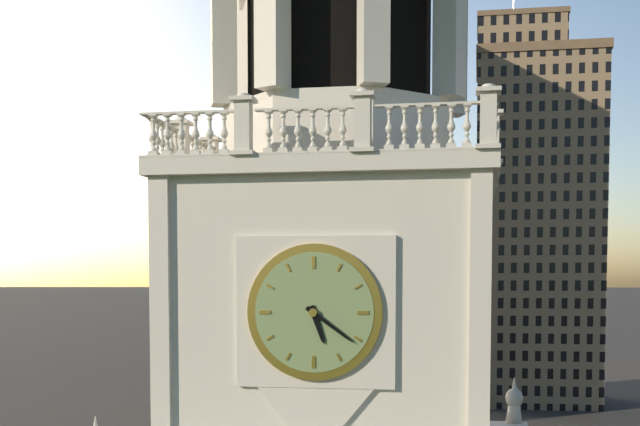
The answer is 5:21
